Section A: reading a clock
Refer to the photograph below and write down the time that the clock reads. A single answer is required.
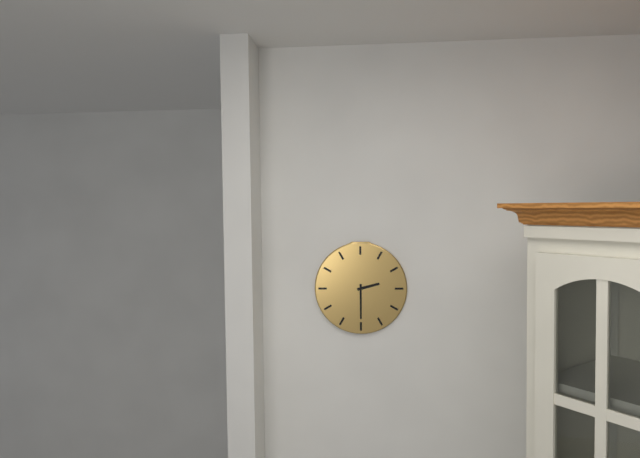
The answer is 2:30
